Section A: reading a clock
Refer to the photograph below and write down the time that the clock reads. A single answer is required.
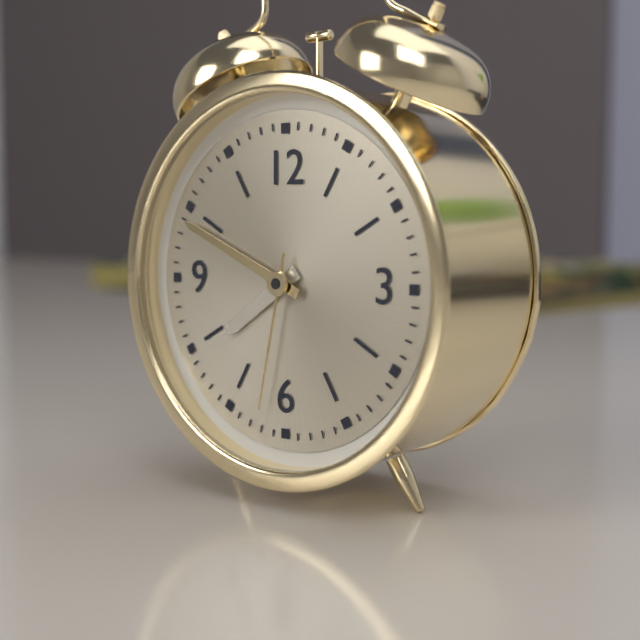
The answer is 7:49:32
